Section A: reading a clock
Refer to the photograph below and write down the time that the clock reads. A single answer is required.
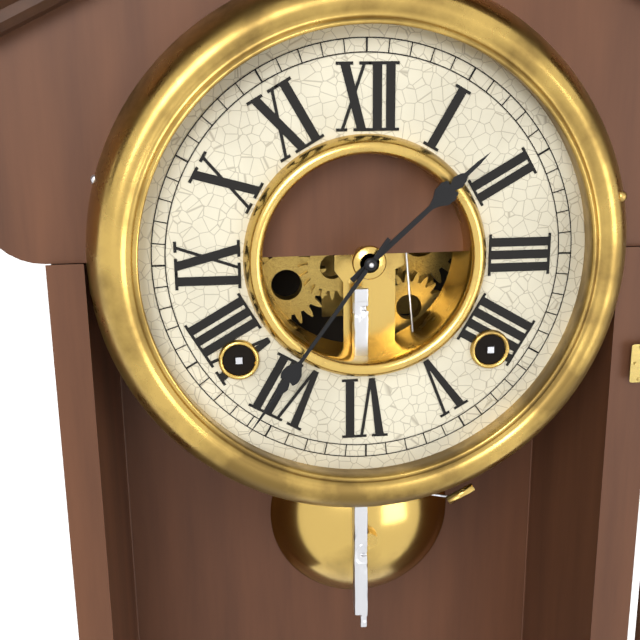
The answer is 1:36
